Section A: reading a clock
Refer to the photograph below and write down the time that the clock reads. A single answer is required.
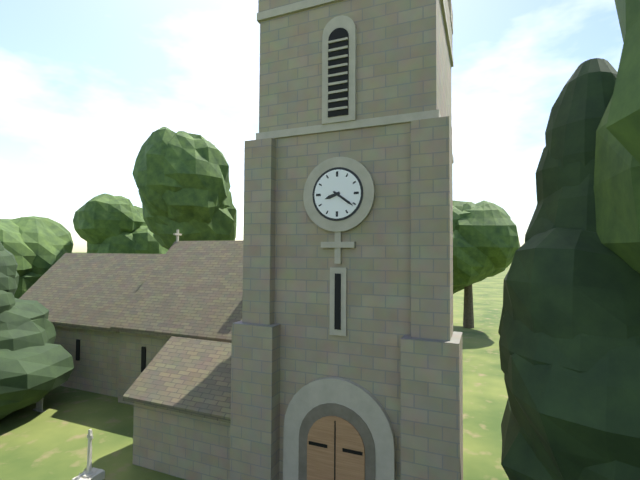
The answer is 8:21
